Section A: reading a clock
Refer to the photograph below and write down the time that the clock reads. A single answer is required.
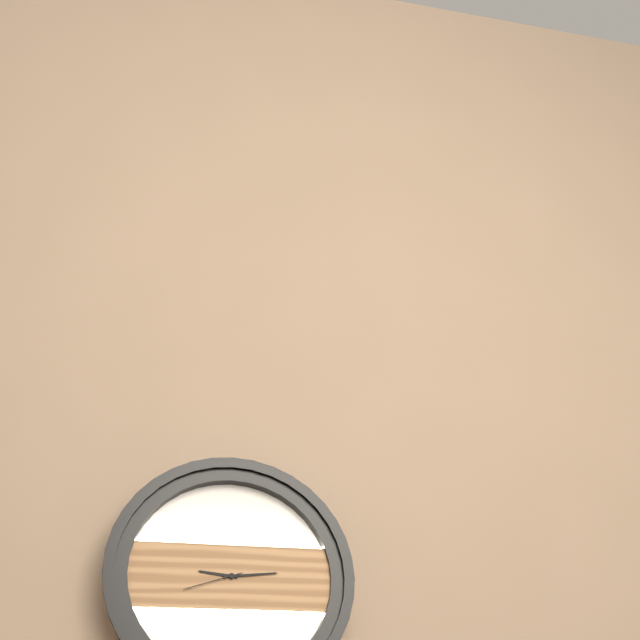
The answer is 9:14:42
